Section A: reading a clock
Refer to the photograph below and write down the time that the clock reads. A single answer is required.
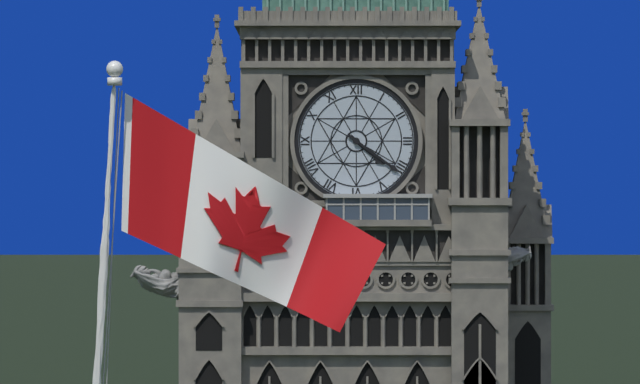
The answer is 4:21
